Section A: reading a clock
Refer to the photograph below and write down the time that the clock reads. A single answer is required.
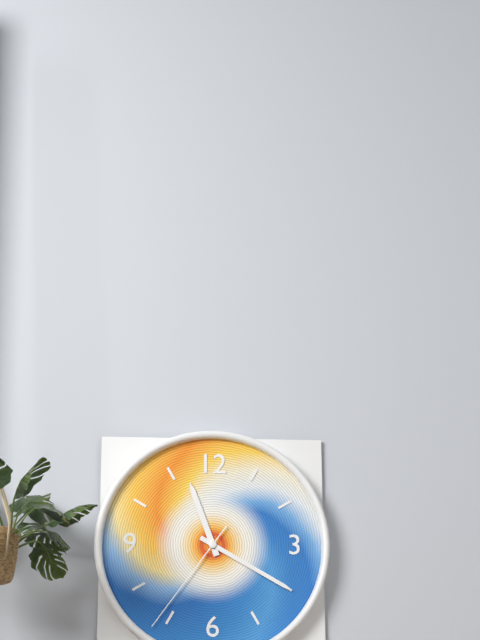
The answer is 11:20:36
